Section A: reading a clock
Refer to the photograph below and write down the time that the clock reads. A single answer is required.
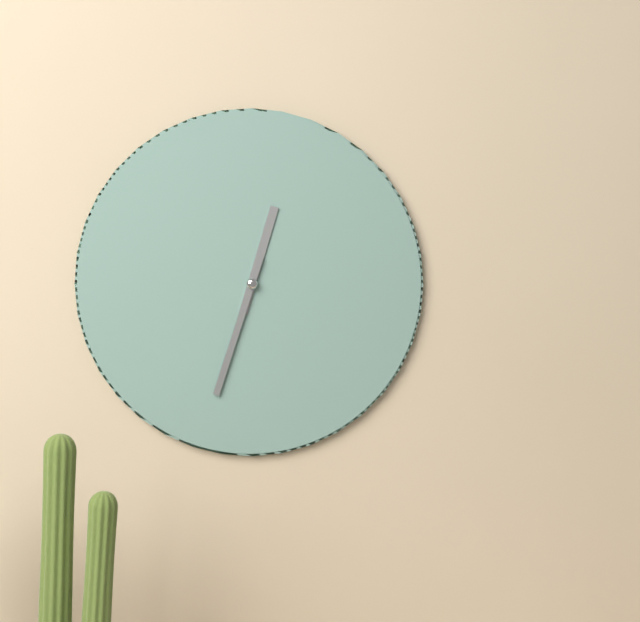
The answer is 12:33
